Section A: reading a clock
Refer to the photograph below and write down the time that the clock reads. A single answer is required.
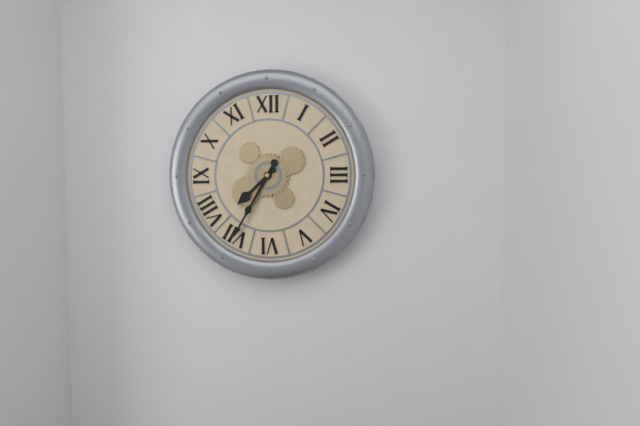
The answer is 7:35
